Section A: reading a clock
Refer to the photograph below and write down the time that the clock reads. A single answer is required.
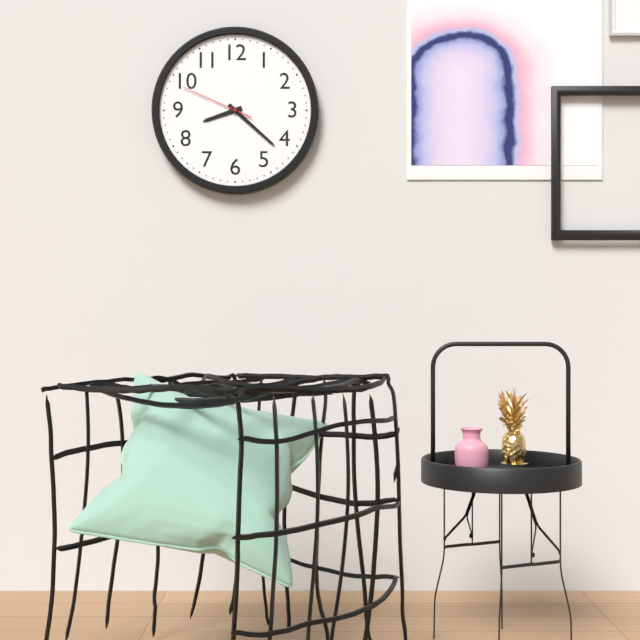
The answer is 8:22:49
